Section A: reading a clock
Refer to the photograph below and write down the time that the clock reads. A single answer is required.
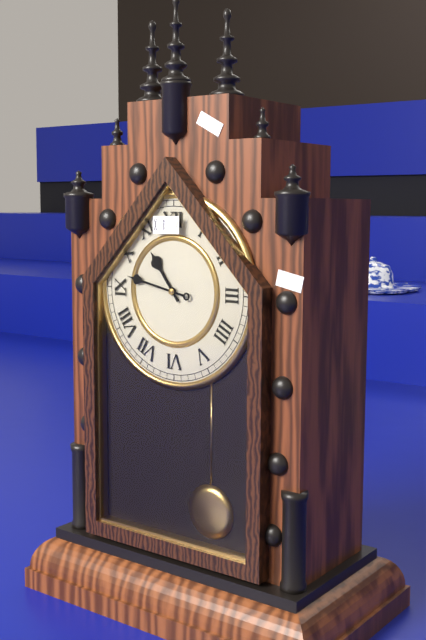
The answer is 10:47
